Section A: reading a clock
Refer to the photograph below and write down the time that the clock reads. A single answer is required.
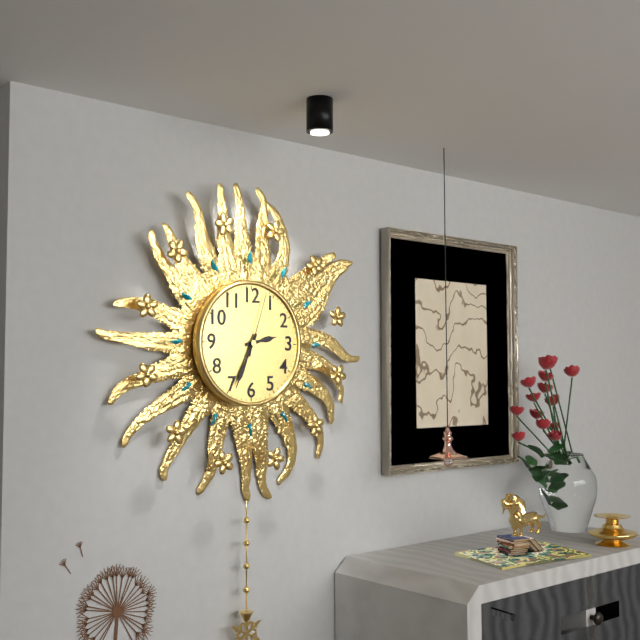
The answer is 2:34:03
